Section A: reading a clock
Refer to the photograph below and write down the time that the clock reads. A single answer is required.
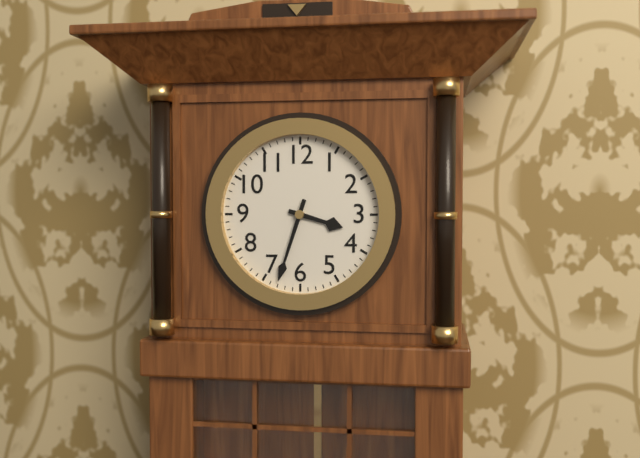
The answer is 3:33
